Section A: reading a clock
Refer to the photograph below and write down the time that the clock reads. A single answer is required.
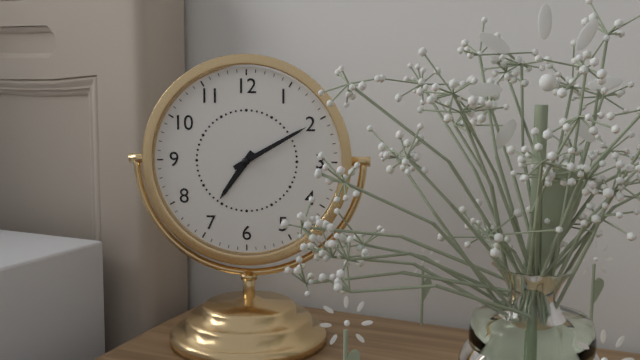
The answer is 7:10
